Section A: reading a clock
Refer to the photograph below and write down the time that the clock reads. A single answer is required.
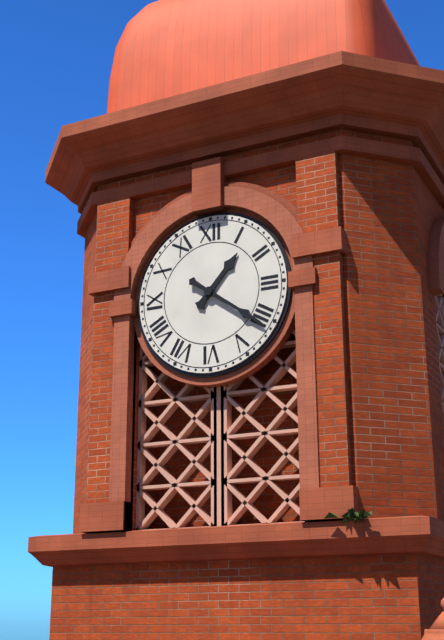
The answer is 1:21
